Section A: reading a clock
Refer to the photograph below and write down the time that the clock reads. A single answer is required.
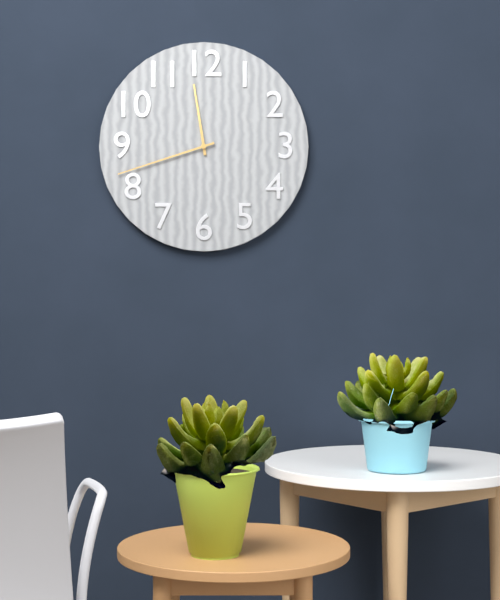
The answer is 11:42
